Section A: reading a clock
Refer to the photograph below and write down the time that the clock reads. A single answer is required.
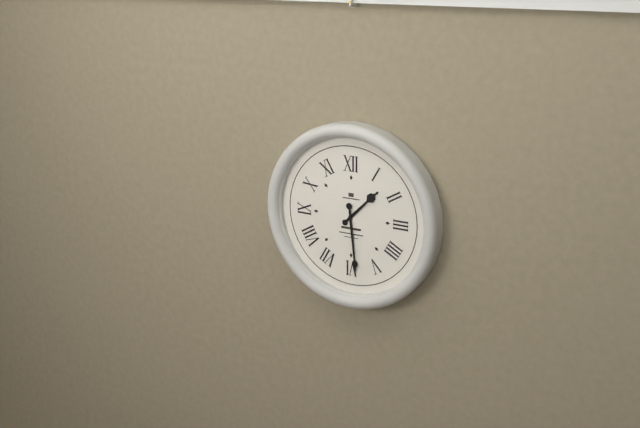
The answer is 1:29
